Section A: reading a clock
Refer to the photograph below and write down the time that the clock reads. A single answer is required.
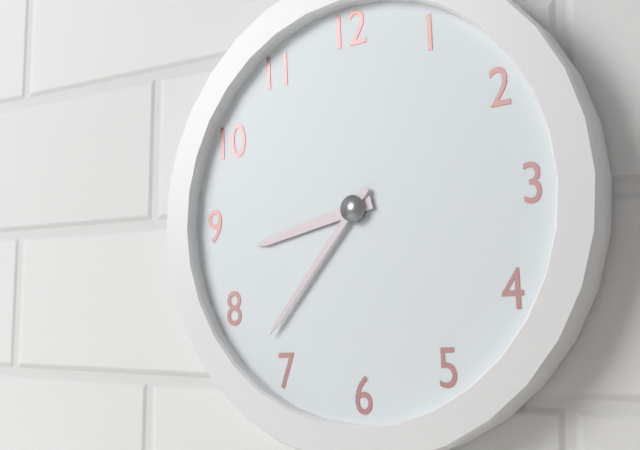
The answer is 8:37
